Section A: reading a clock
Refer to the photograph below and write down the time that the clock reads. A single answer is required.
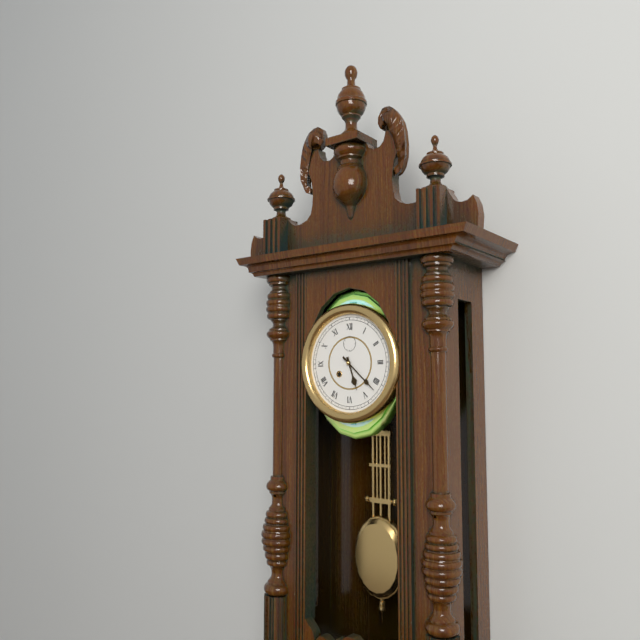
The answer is 5:22
